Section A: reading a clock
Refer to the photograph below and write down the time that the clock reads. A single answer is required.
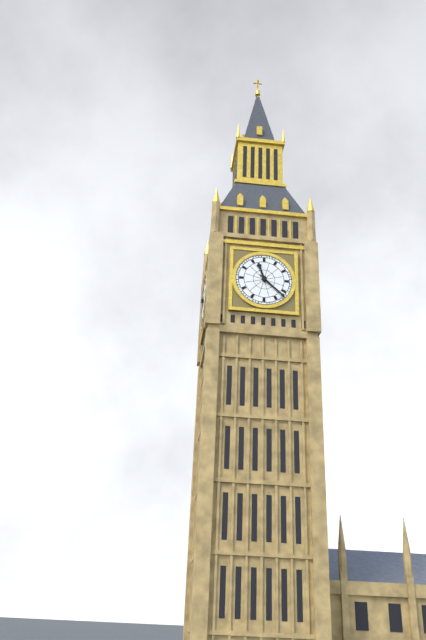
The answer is 11:22
